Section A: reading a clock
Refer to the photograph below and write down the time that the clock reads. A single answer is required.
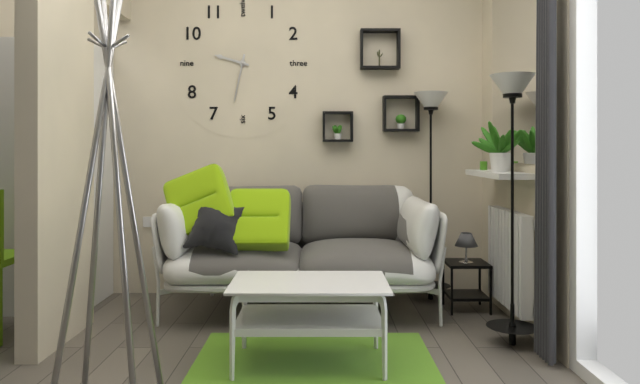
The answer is 9:32
